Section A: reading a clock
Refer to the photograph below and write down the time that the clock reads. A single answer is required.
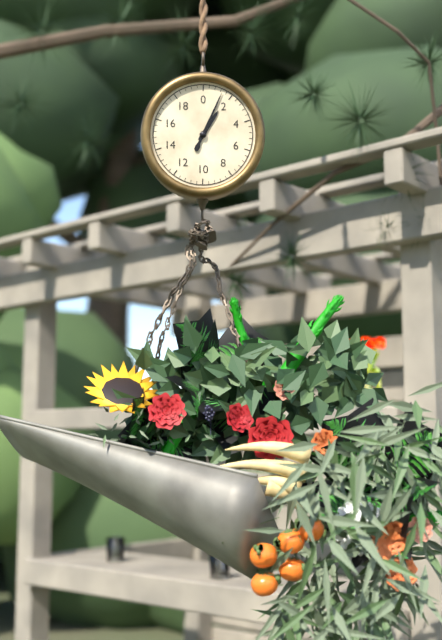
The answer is 1:04
